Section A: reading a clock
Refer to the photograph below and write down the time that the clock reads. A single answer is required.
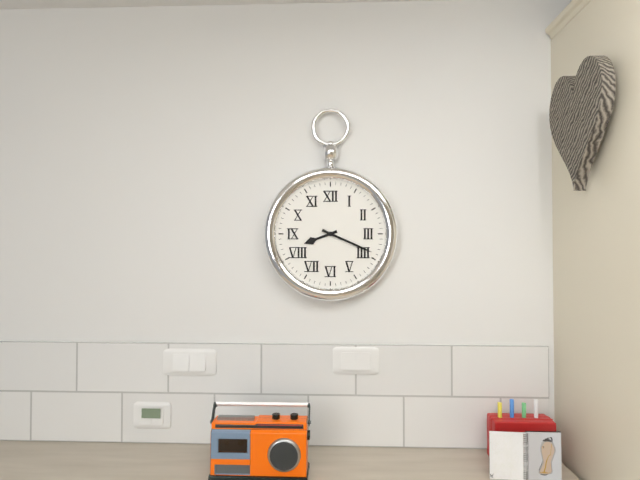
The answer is 8:19
